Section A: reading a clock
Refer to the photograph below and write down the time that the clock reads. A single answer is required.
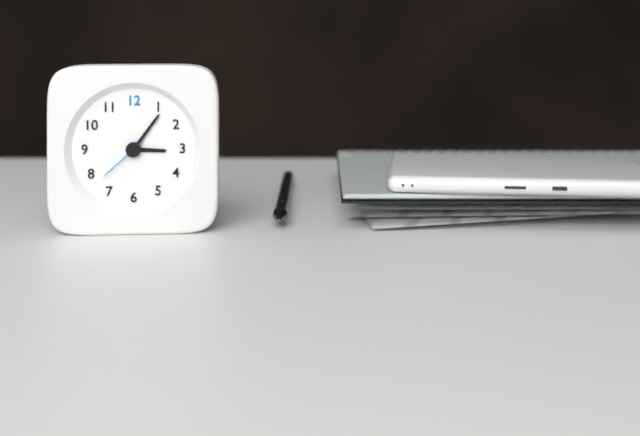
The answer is 3:06:38
